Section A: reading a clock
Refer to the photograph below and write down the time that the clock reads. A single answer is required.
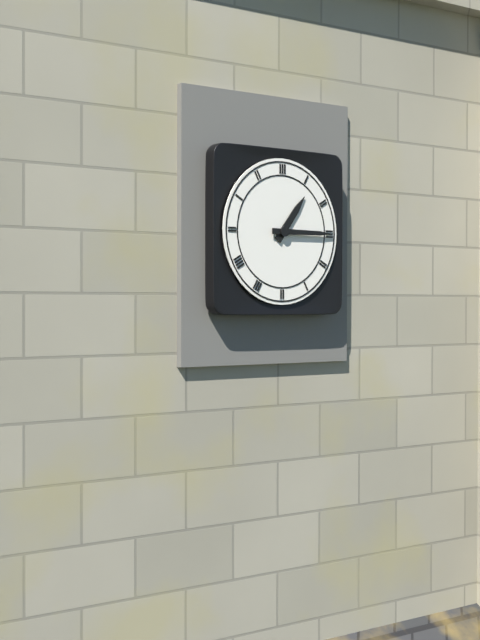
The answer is 1:15
